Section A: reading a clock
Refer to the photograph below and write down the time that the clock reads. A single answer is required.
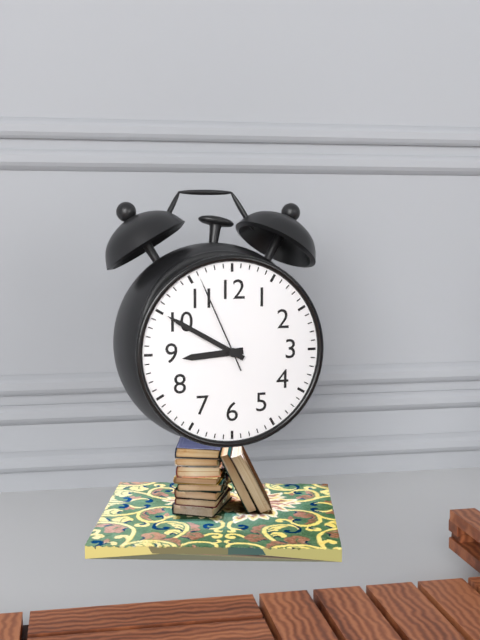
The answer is 8:50:56
